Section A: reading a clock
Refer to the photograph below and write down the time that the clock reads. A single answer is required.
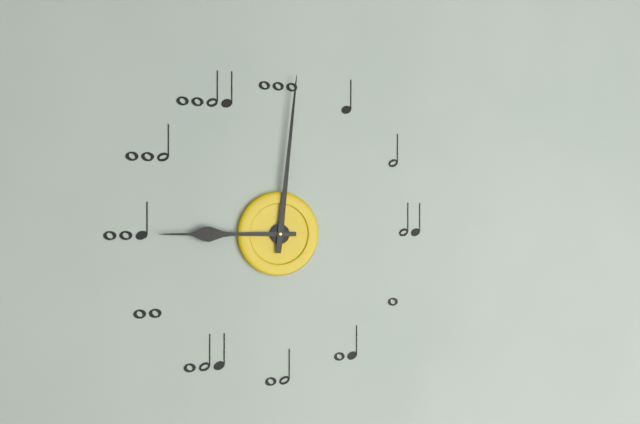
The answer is 9:01
